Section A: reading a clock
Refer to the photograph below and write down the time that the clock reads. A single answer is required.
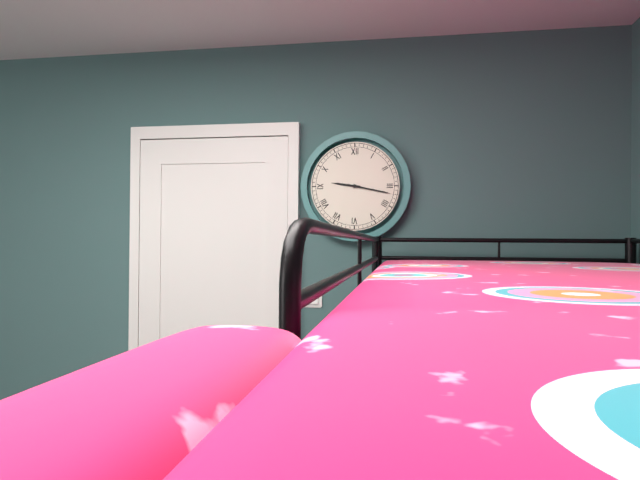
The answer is 9:17
